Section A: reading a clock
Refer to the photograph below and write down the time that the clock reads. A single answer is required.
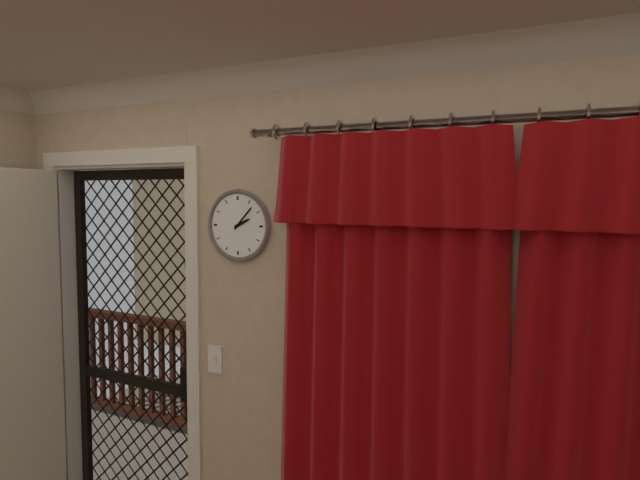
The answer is 2:07
